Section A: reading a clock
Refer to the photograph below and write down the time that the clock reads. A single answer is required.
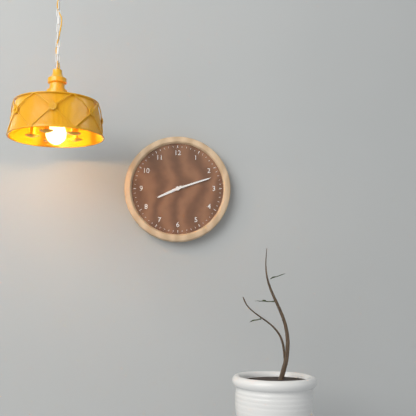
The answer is 8:12
